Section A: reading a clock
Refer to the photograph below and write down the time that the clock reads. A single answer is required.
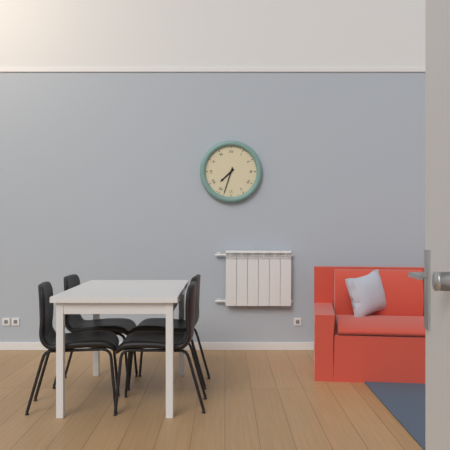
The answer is 7:33
